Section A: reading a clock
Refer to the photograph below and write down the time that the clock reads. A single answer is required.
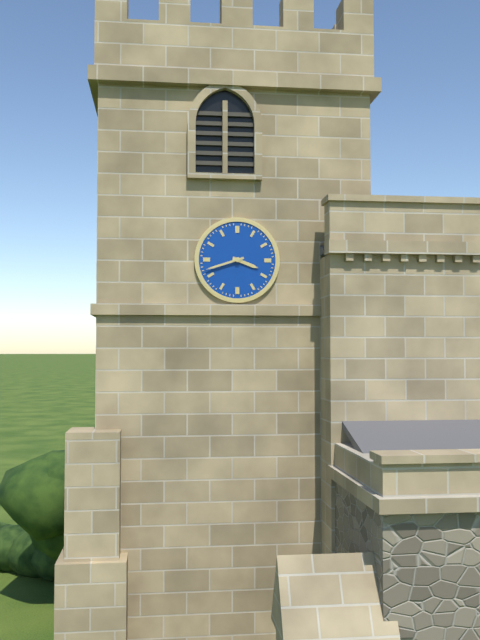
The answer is 3:42
